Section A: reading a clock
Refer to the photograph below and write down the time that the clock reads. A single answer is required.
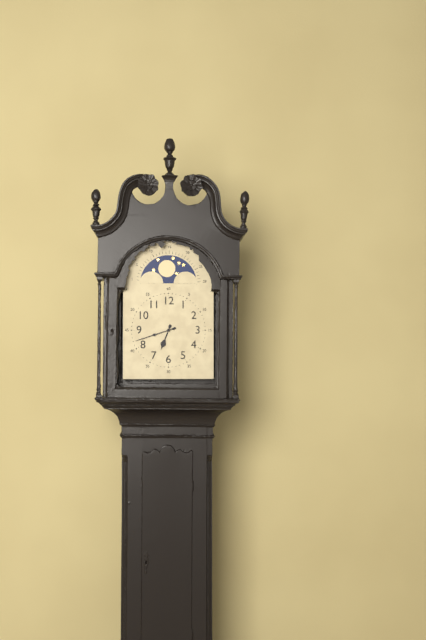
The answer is 6:42
